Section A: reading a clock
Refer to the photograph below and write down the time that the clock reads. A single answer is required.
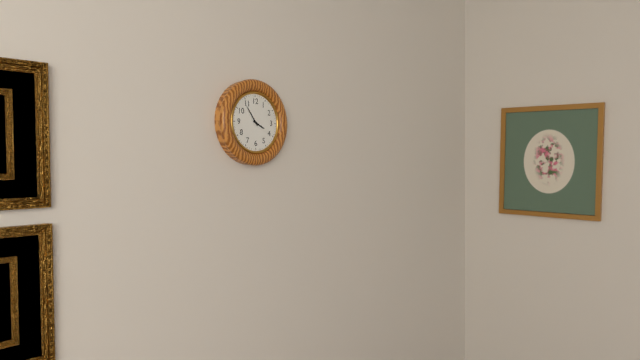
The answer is 3:54
